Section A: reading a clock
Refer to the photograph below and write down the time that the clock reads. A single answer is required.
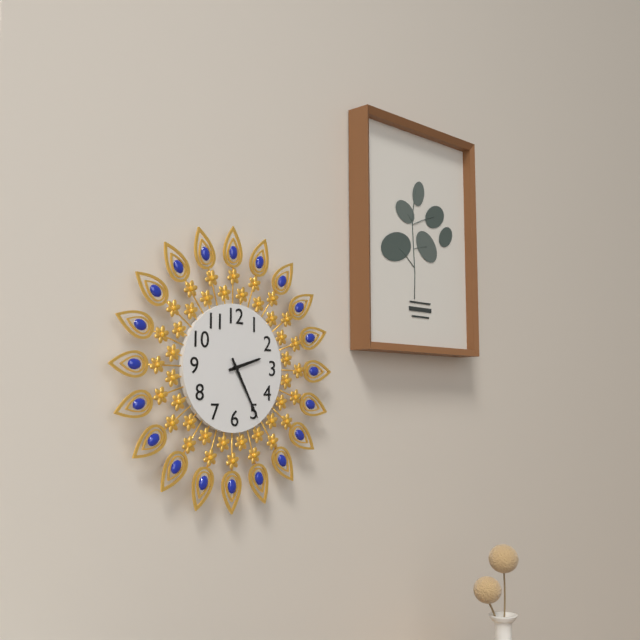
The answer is 2:25
